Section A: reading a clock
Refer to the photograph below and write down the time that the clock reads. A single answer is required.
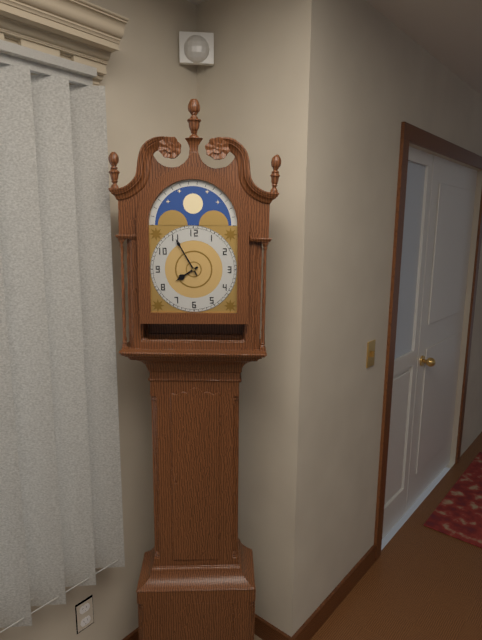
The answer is 7:55
